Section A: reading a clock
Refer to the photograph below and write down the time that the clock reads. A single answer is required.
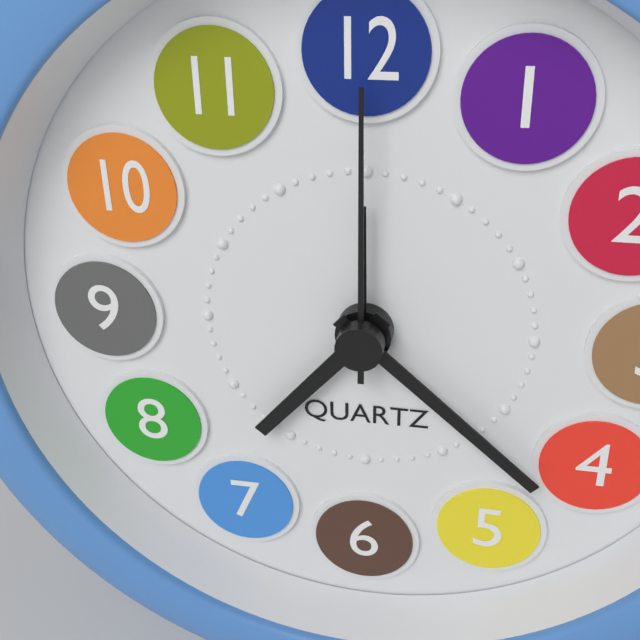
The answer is 7:22:00
